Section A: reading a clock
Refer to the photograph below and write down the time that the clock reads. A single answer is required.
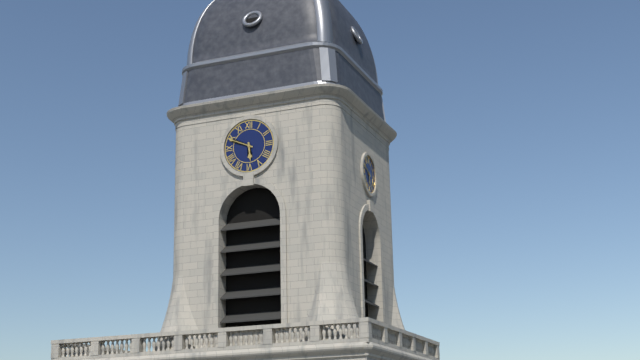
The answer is 5:49
